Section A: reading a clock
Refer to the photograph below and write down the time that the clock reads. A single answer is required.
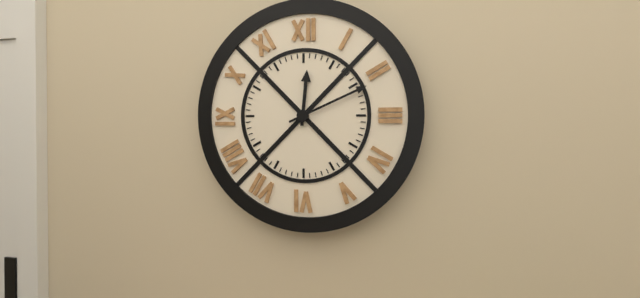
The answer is 12:11
